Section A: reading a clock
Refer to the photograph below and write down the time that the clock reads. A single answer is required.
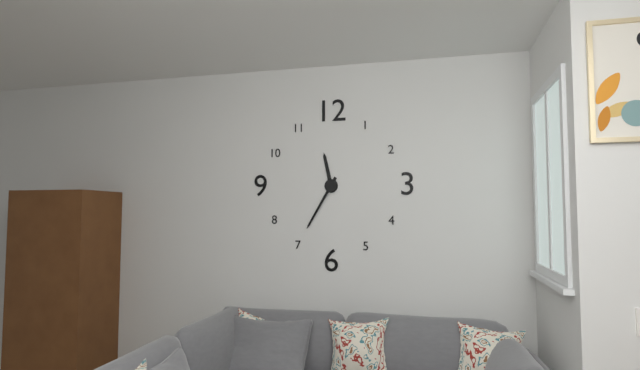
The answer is 11:35
